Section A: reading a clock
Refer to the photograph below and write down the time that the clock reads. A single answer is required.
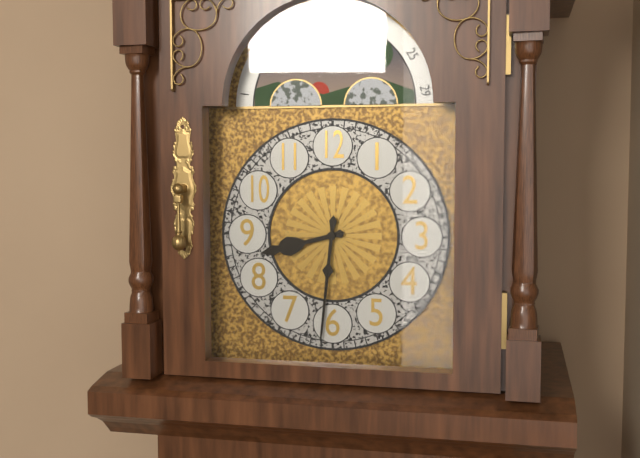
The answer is 8:31
